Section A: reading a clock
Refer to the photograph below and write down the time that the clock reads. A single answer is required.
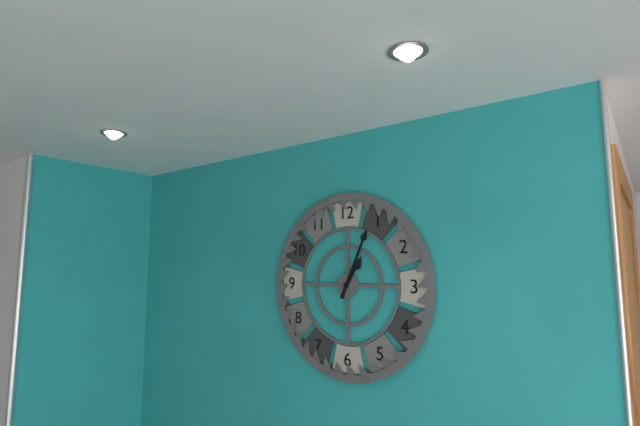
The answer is 1:04
